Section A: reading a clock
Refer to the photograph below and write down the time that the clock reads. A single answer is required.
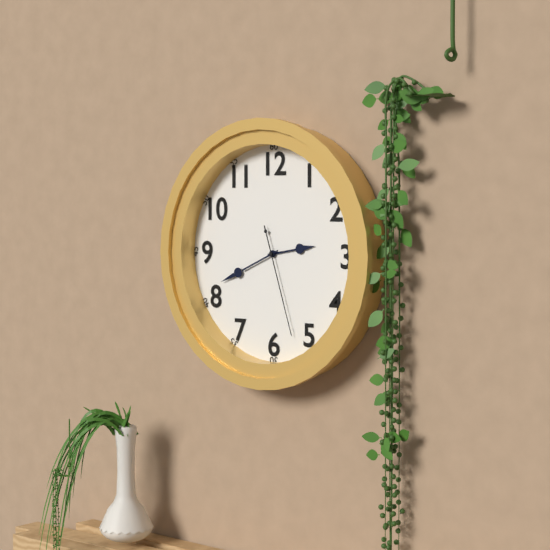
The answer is 2:41:27
